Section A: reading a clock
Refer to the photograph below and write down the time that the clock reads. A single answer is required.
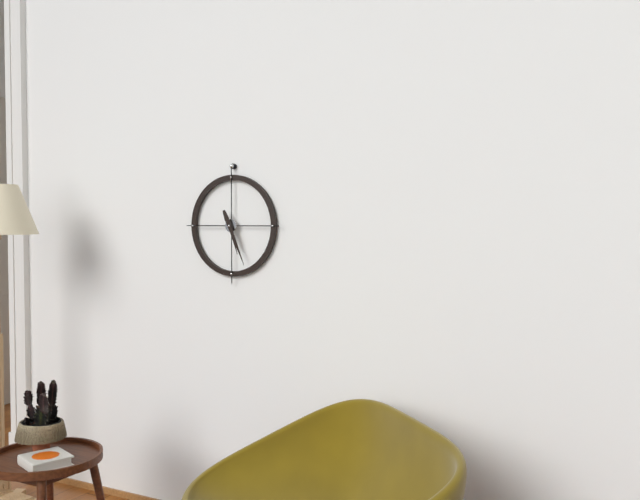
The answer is 5:26
